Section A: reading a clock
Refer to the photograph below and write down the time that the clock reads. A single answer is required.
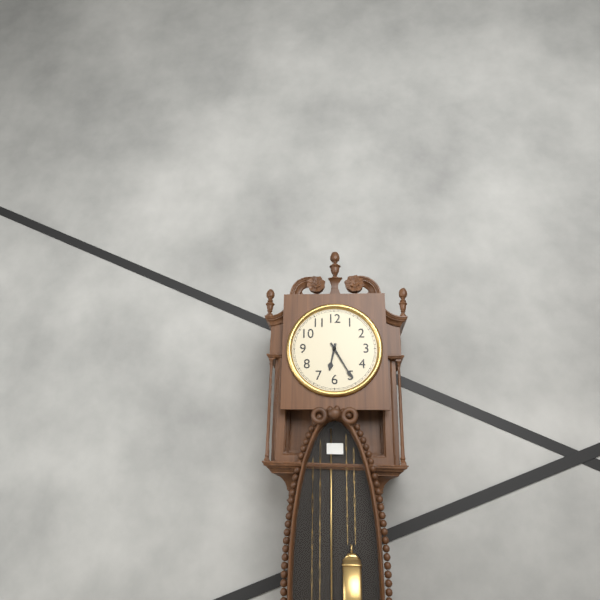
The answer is 6:25
